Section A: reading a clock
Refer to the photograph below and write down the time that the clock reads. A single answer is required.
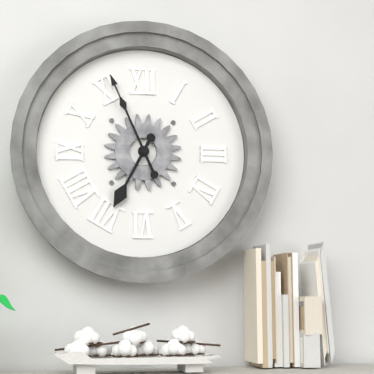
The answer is 6:56
